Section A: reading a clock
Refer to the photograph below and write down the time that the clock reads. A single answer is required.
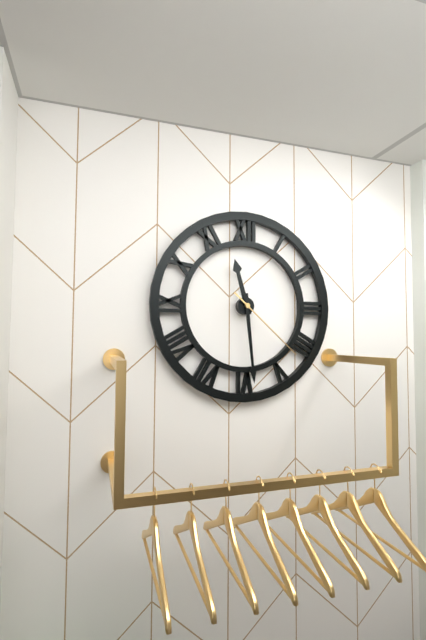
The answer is 11:29:22
